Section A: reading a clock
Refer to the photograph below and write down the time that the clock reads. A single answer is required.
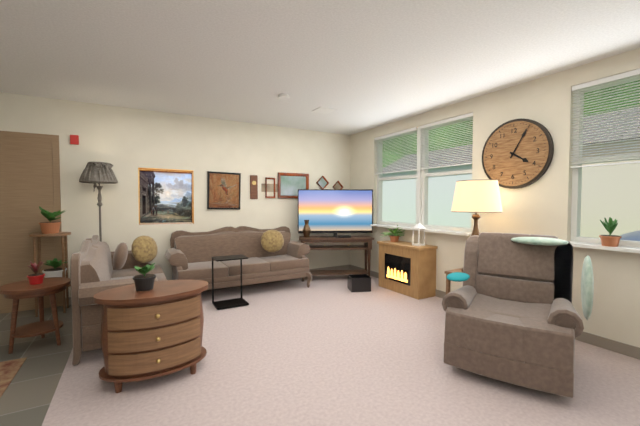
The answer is 4:05
